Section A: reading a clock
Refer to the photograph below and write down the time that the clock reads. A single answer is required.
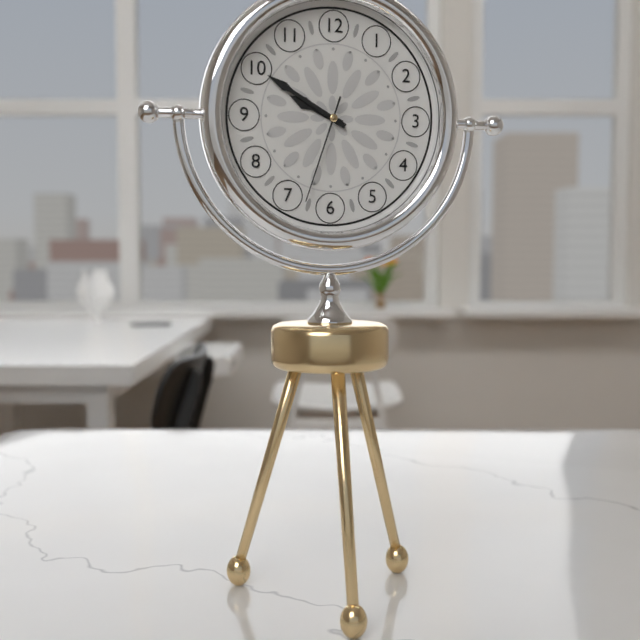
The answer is 9:50:33
